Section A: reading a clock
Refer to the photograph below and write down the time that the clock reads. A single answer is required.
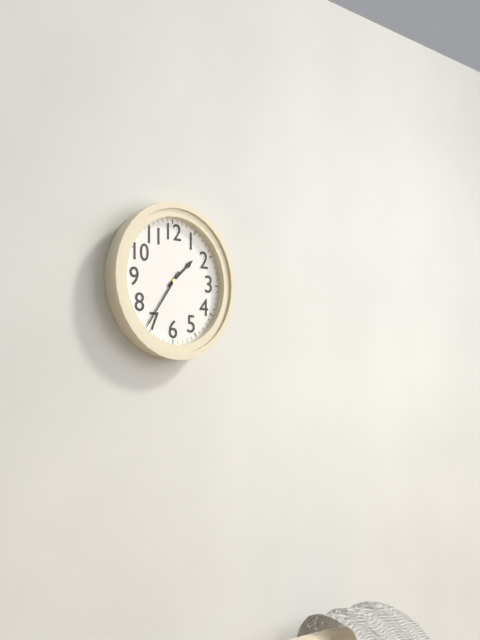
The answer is 1:36
